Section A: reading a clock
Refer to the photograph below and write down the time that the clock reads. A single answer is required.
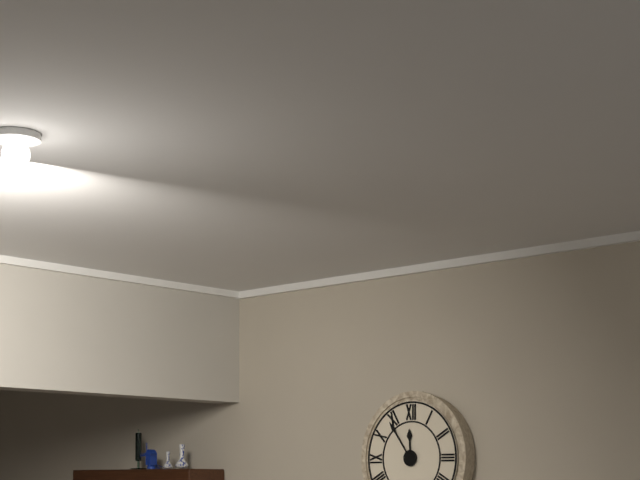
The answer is 11:54
